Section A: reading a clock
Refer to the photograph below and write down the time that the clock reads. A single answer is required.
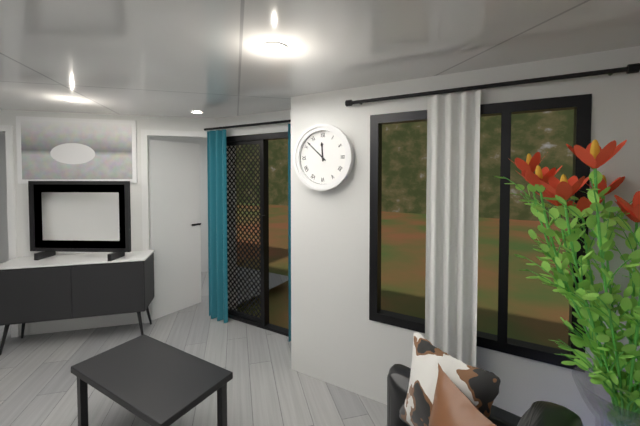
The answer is 11:52
